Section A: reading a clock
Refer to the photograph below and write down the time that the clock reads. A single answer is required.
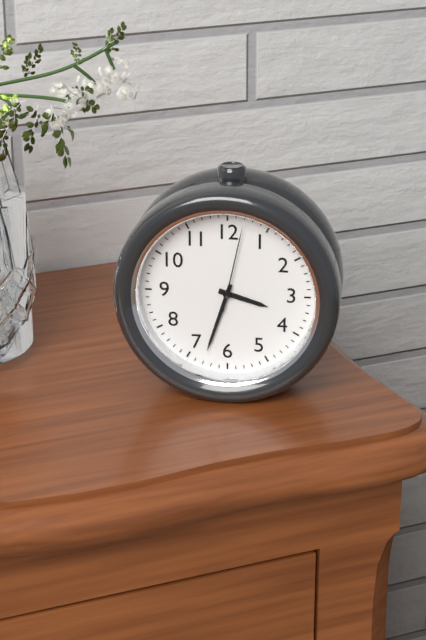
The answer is 3:33:02
